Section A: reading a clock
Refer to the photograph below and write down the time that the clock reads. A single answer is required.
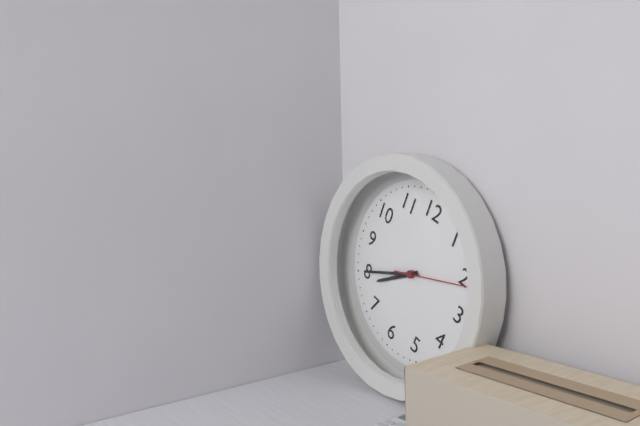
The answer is 7:40:11
